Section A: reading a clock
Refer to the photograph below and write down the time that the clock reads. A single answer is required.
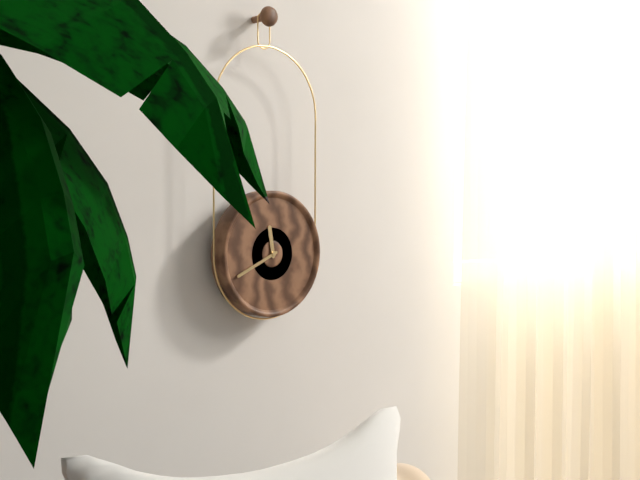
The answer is 11:41
